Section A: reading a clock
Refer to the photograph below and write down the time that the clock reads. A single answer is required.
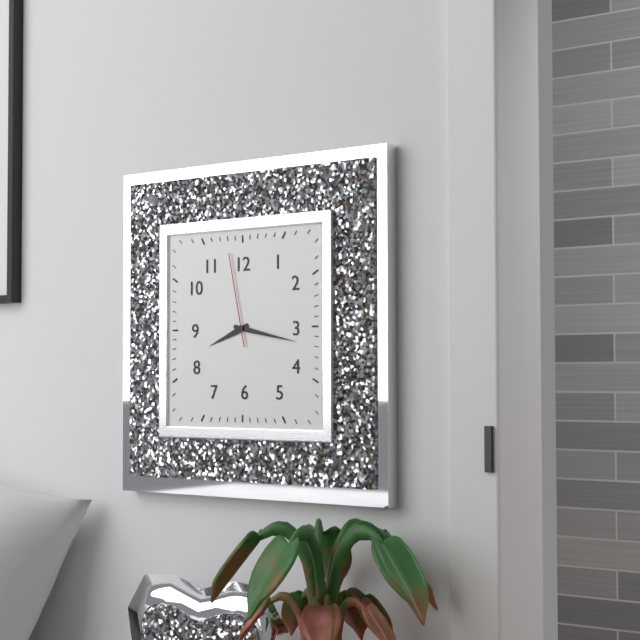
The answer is 8:17:58
